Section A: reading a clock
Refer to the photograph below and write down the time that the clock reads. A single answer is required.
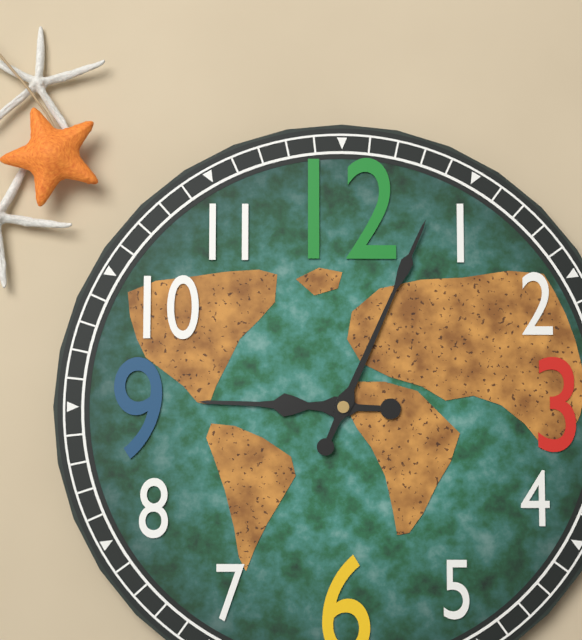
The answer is 9:04
